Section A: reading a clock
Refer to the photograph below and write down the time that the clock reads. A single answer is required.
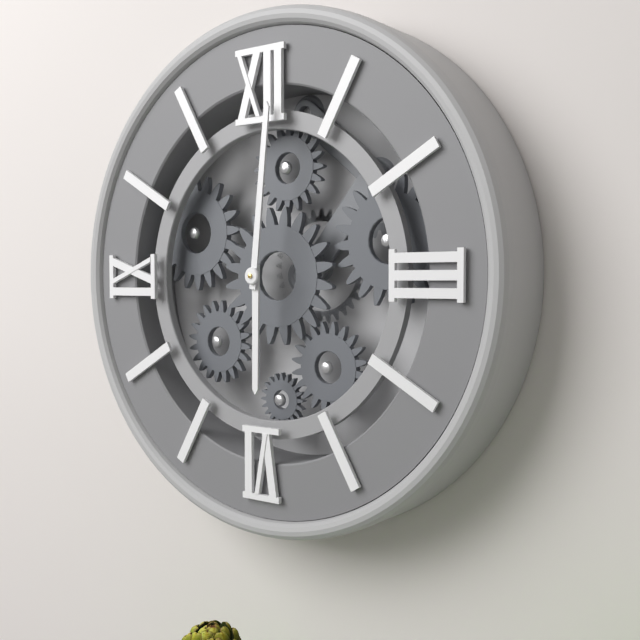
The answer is 6:01
